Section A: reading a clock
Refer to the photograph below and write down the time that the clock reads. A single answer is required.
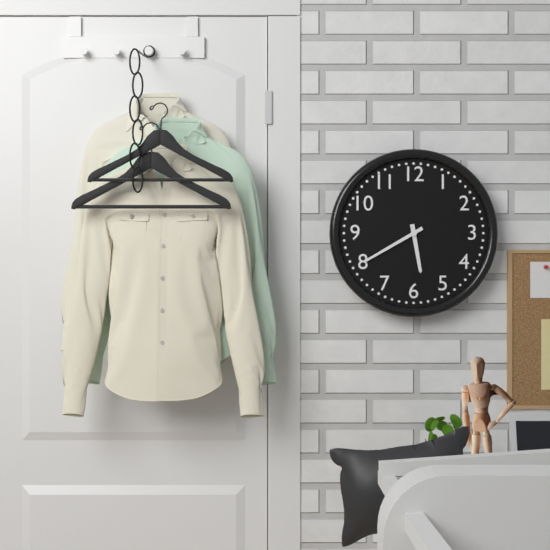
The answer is 5:40
